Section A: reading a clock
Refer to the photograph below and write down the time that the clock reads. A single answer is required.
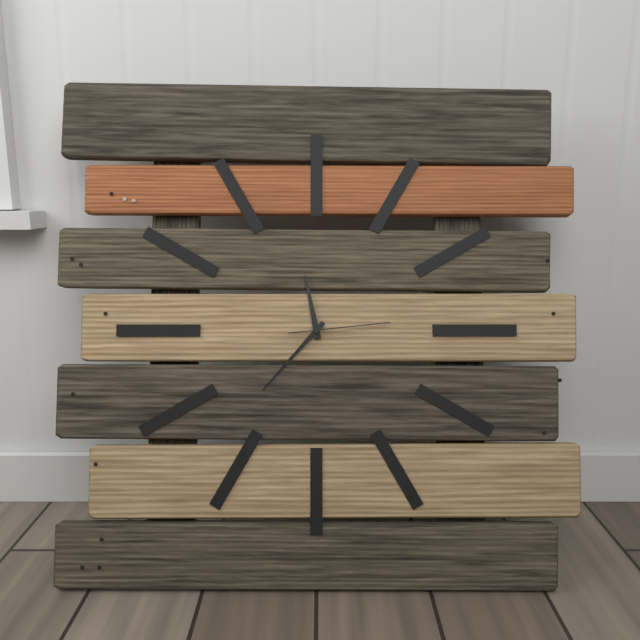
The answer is 11:37:14
